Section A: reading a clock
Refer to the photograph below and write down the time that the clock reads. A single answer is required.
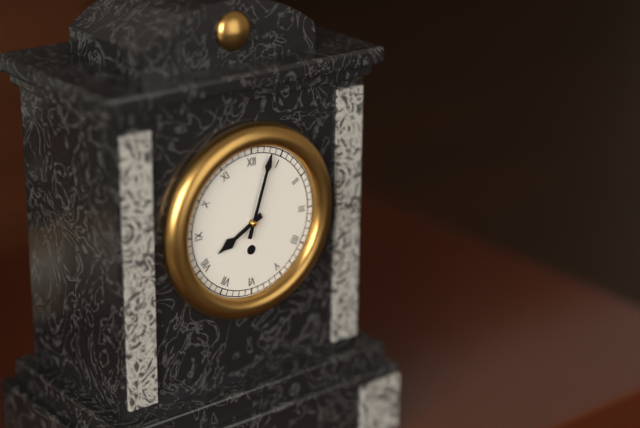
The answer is 8:03
